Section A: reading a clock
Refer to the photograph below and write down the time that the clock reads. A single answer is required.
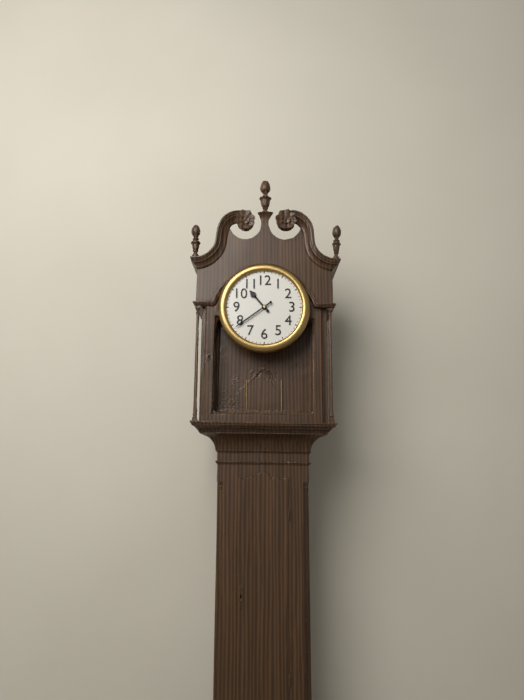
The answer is 10:39
